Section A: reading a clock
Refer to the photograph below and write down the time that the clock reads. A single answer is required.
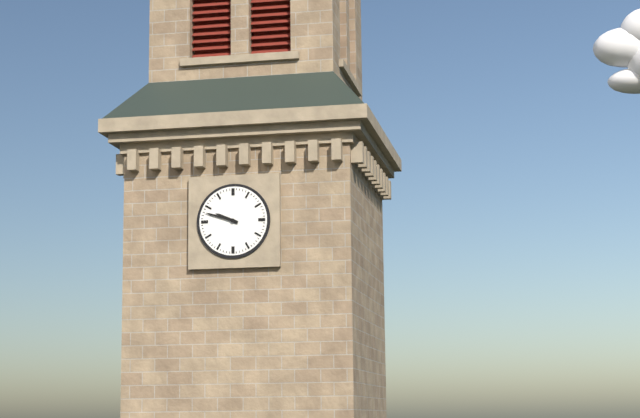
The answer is 9:48
